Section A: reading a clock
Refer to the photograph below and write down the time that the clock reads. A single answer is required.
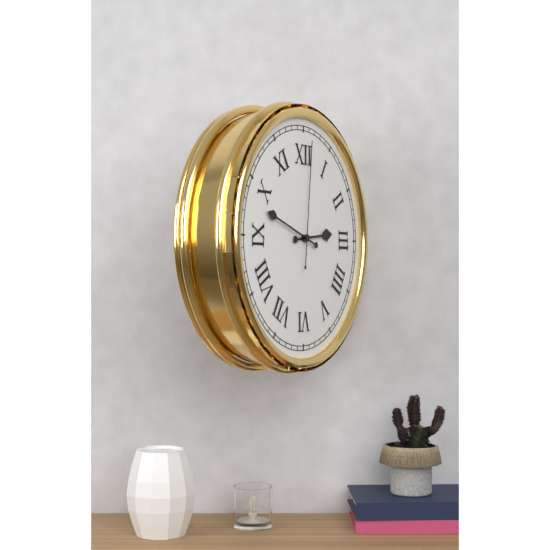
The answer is 2:48:01
